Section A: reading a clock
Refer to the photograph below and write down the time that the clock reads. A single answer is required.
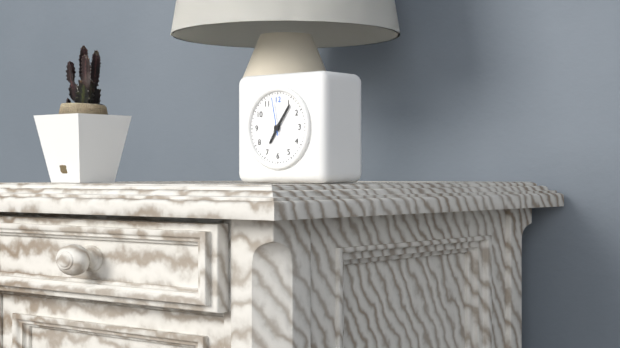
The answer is 7:06
